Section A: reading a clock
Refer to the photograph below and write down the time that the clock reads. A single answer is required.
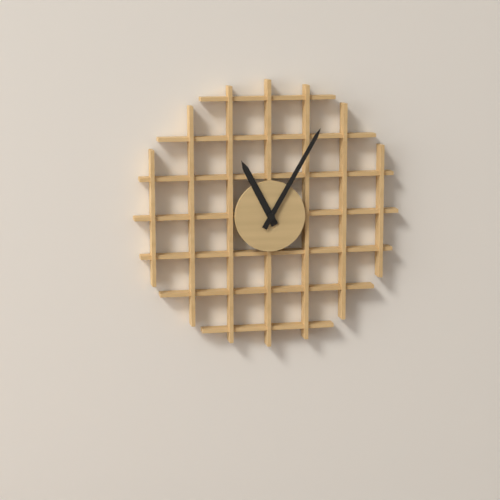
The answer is 11:05
